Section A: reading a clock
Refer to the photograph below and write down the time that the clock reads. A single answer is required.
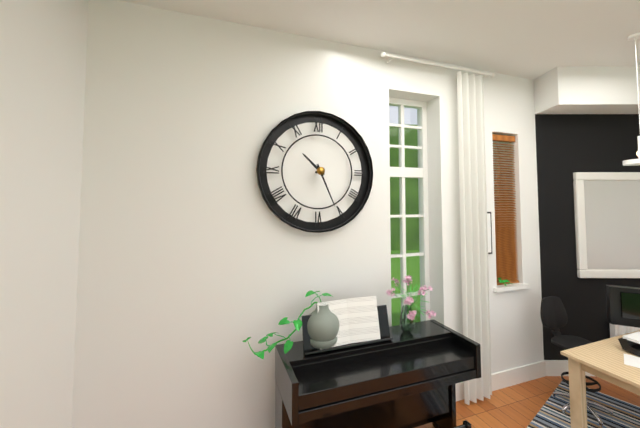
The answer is 10:26
